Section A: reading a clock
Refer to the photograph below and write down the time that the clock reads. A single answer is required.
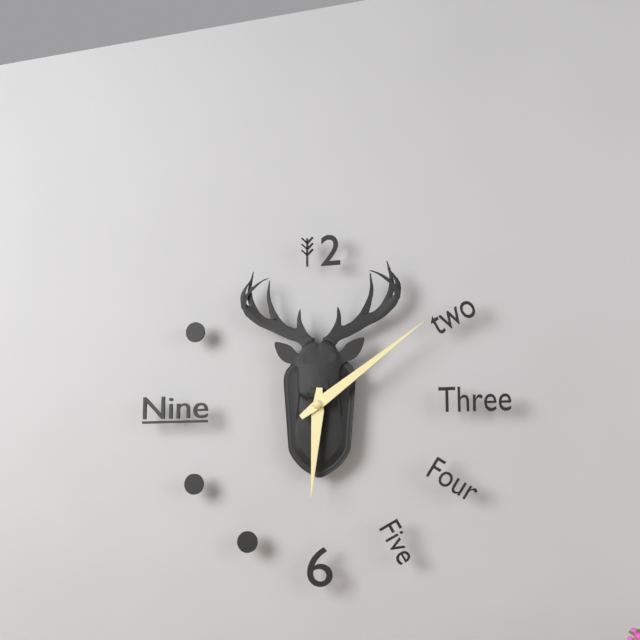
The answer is 6:09
